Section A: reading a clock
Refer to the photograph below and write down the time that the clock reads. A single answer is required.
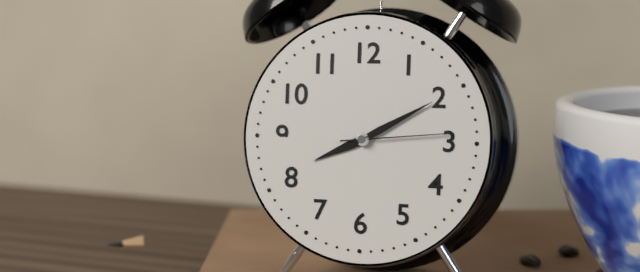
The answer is 8:10:14
